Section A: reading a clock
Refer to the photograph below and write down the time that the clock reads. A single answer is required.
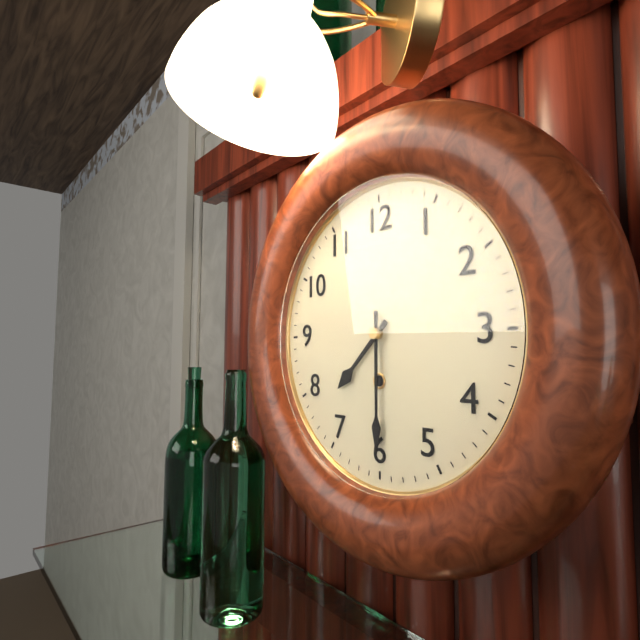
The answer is 7:30
